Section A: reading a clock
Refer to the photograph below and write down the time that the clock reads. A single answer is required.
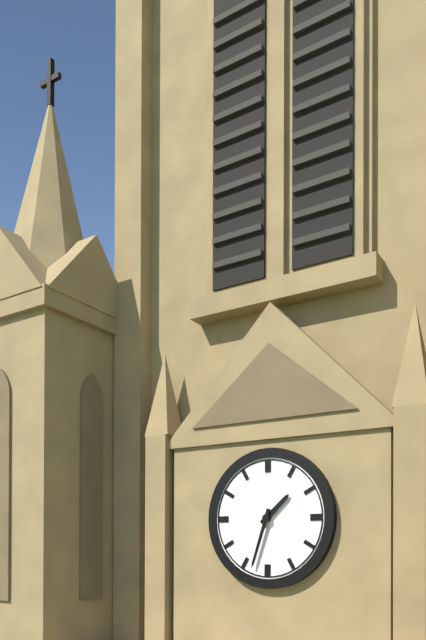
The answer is 1:33
